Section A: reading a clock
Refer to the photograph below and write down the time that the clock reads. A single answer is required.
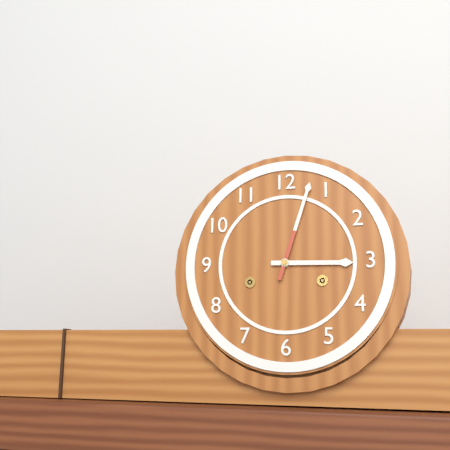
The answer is 3:03
